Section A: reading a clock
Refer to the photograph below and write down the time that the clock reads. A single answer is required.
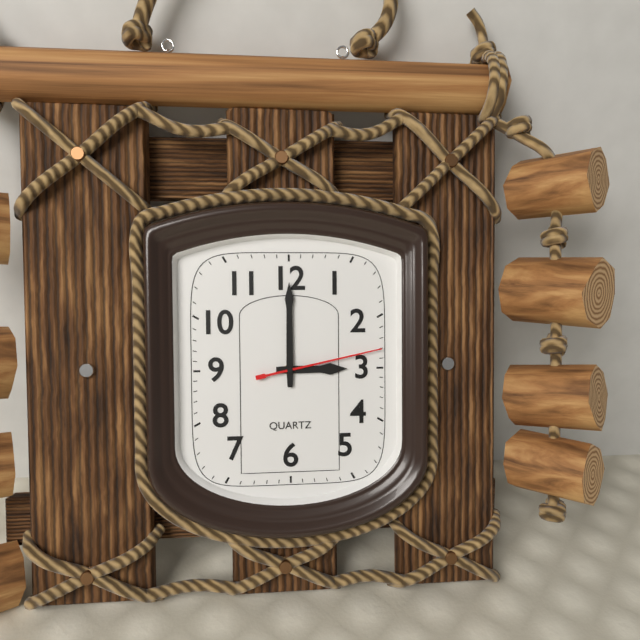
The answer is 3:00:13
